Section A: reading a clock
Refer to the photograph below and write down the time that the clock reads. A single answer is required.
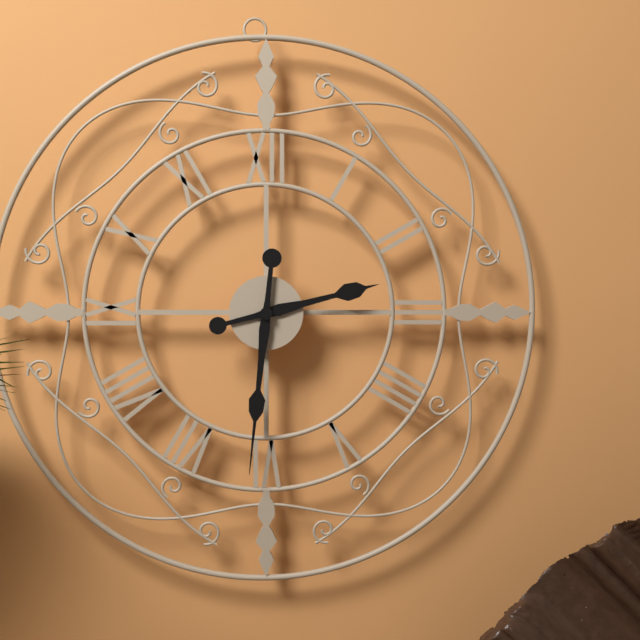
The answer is 2:31
